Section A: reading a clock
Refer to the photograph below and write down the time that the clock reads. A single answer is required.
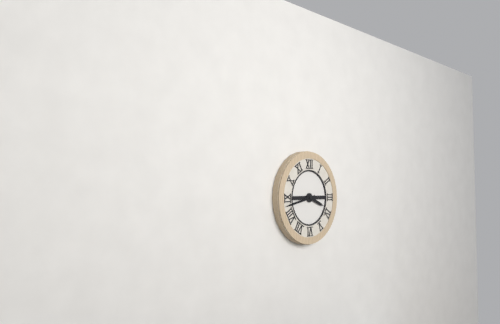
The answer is 3:43
